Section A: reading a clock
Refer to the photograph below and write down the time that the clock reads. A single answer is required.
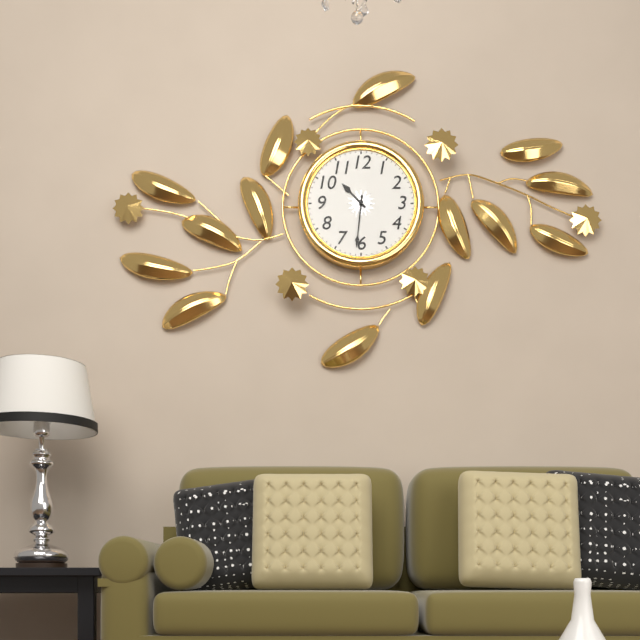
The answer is 10:31
